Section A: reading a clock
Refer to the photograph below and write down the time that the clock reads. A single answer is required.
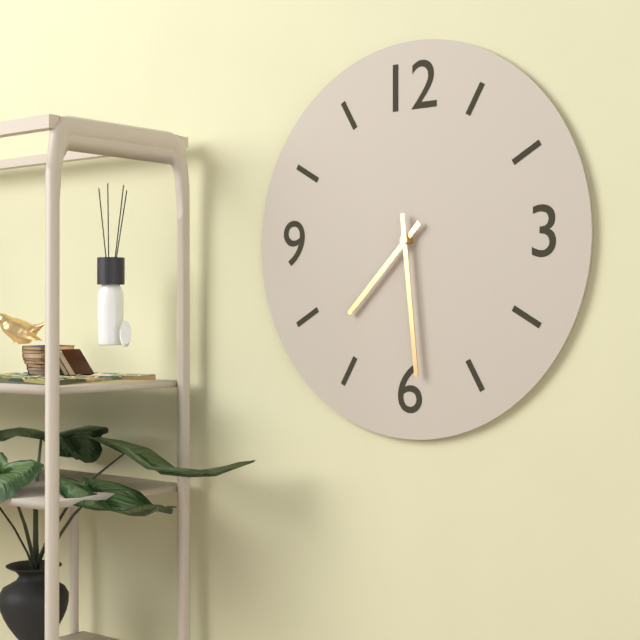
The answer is 7:29
